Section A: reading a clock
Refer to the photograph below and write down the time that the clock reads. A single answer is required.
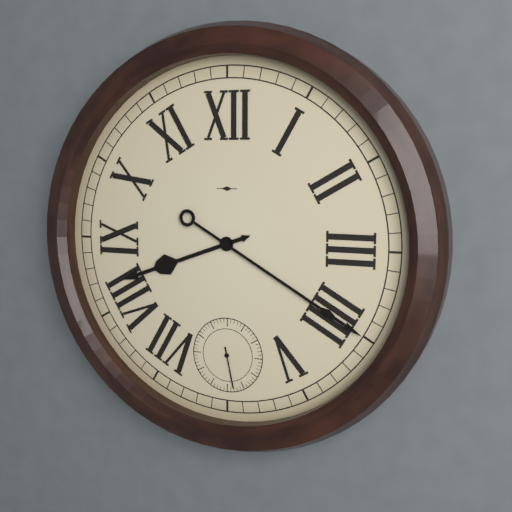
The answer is 8:20
